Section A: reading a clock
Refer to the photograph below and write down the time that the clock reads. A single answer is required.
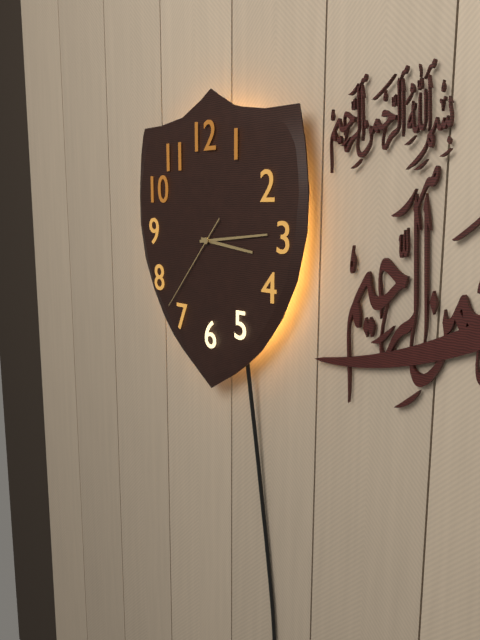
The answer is 3:14:37
